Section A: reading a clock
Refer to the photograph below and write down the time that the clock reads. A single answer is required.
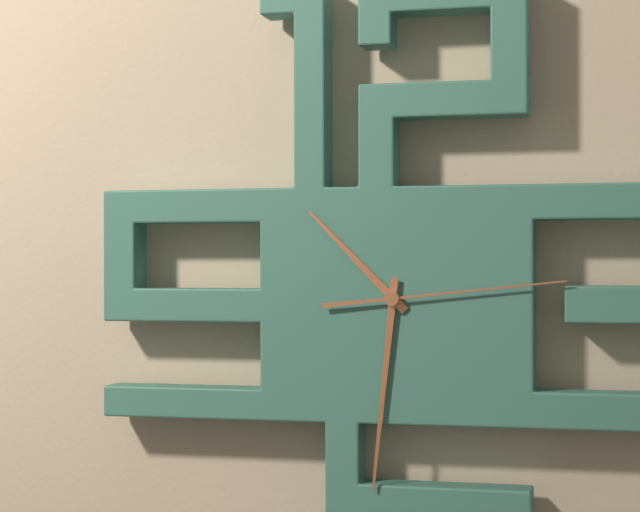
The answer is 10:31:14
